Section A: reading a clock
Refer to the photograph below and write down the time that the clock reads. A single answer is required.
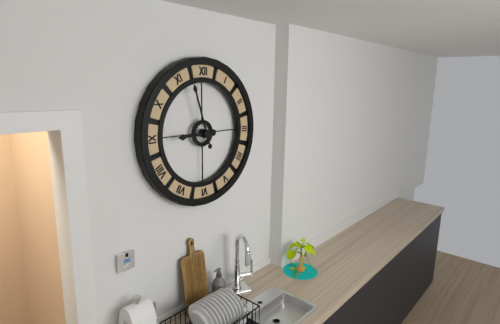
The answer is 8:57
